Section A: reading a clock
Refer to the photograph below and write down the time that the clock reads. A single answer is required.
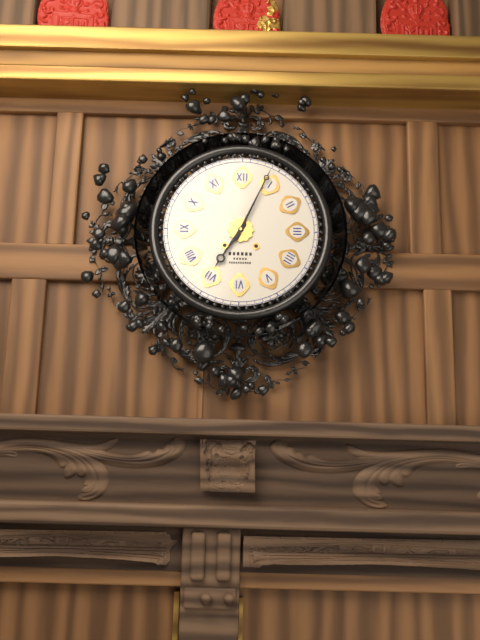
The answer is 7:04
